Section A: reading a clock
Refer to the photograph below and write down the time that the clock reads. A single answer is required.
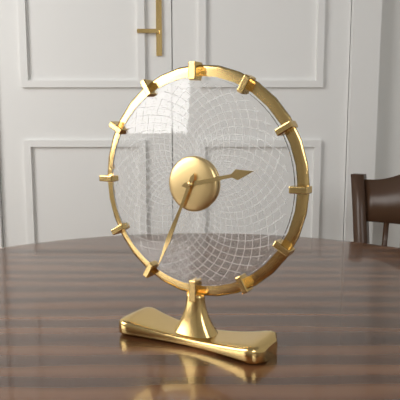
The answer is 2:34
